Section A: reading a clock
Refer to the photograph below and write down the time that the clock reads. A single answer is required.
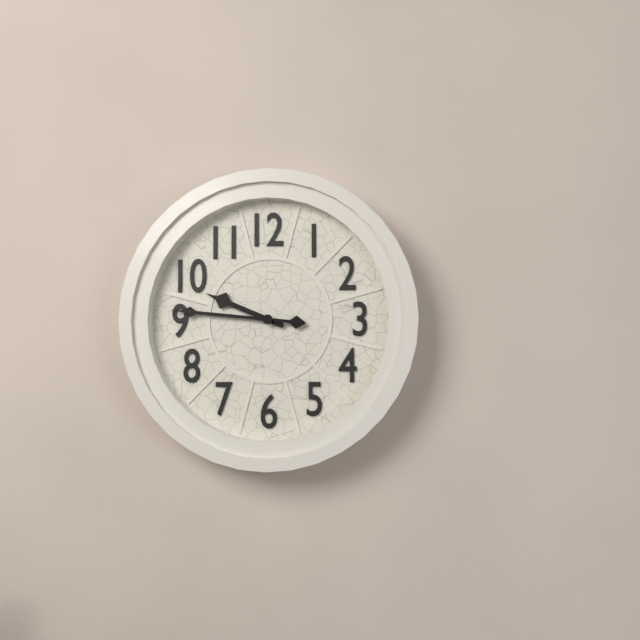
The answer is 9:46
